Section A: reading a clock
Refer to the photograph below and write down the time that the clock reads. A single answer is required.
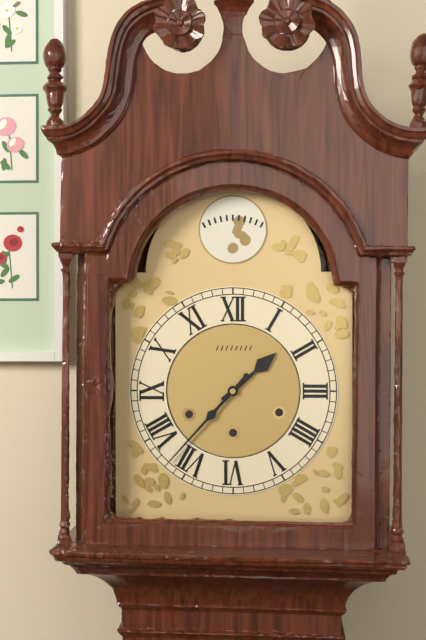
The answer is 1:37
